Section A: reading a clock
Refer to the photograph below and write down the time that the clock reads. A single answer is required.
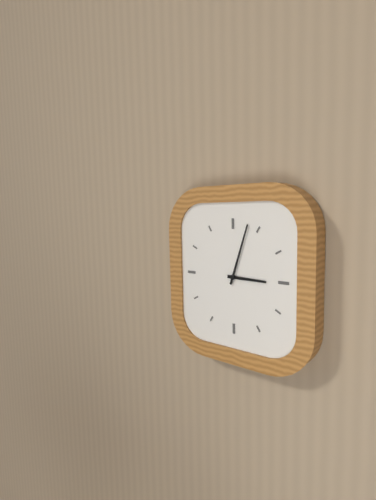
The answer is 3:03
